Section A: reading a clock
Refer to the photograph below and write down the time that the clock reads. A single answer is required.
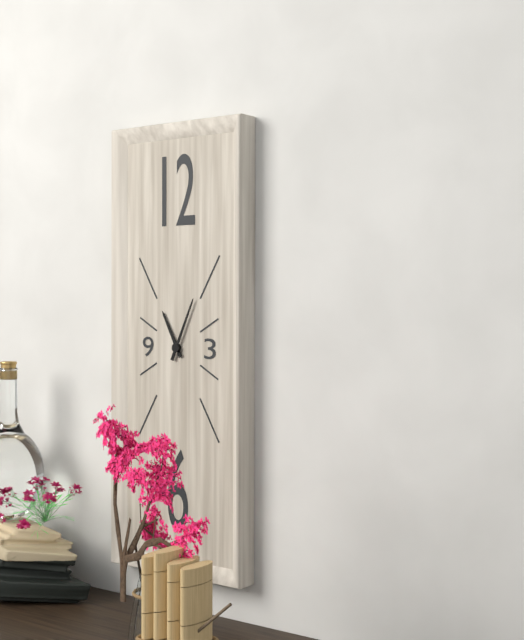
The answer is 11:04
